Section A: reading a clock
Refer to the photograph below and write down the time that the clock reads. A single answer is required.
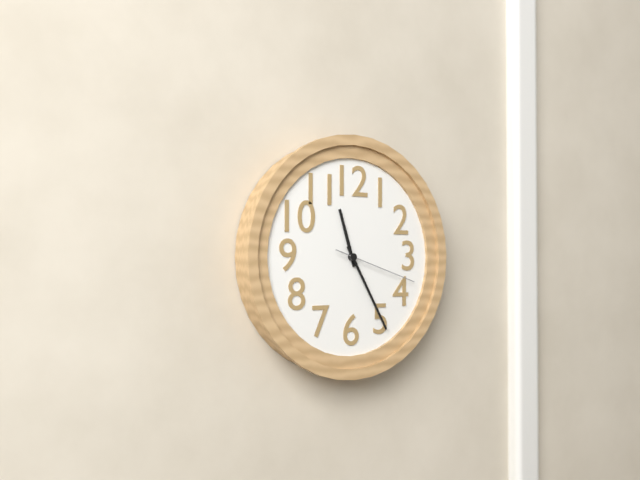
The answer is 11:25:18
